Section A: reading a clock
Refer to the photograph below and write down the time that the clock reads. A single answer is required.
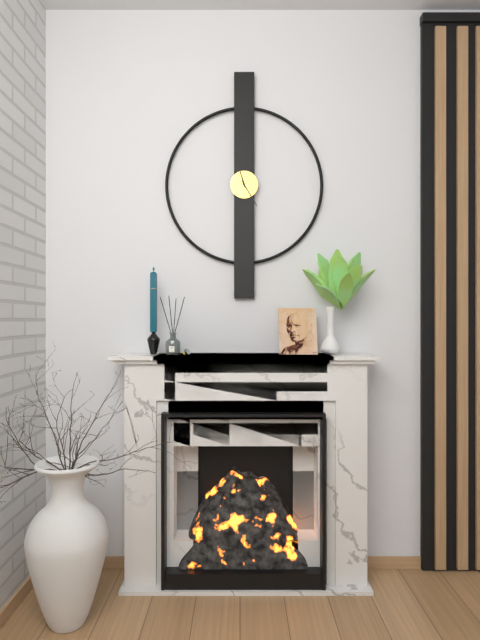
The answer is 11:25
